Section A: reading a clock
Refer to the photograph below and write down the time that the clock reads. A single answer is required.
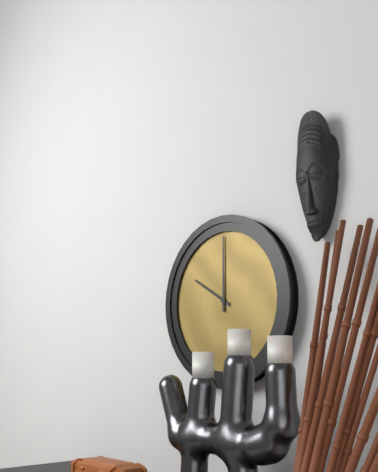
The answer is 10:00
